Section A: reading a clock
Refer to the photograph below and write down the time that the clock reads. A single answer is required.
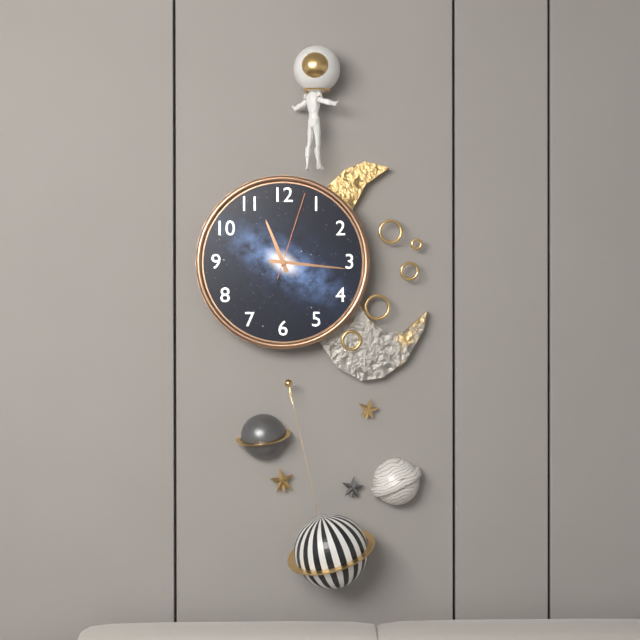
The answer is 11:16:03
